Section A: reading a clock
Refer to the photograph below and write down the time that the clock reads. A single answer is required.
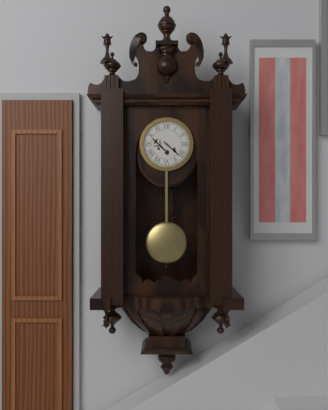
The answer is 4:22
